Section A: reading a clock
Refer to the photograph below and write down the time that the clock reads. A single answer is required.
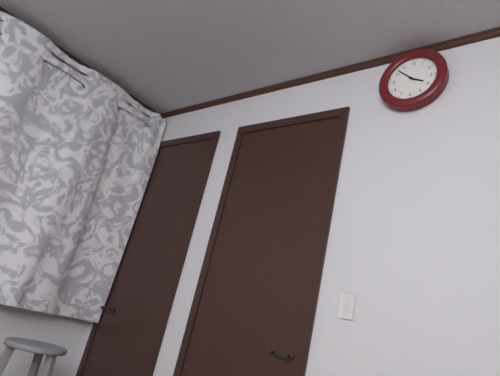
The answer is 3:52
